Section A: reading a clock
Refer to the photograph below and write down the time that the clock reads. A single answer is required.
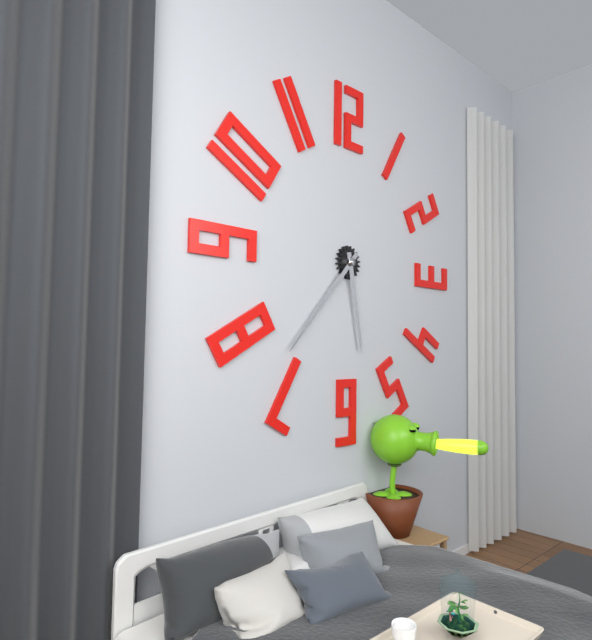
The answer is 5:37
